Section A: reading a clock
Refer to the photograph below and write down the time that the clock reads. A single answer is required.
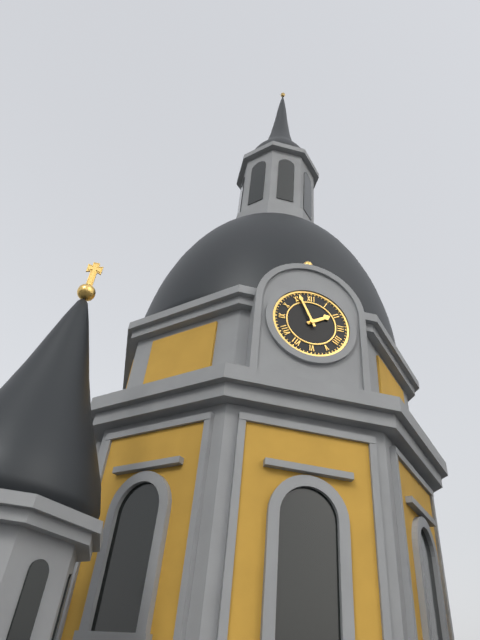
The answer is 1:56
